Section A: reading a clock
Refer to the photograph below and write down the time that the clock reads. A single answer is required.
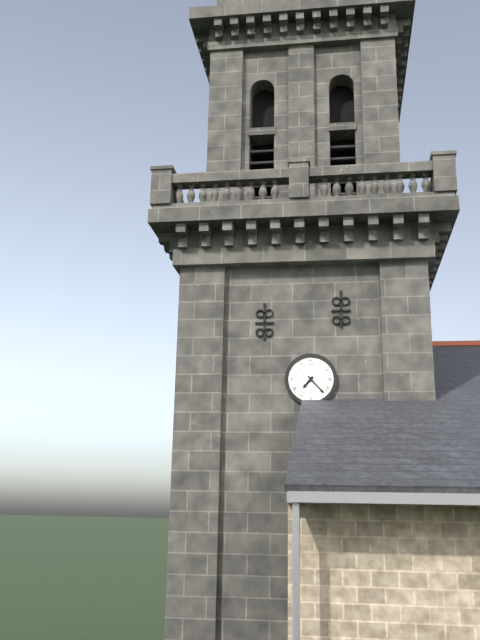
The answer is 7:23
